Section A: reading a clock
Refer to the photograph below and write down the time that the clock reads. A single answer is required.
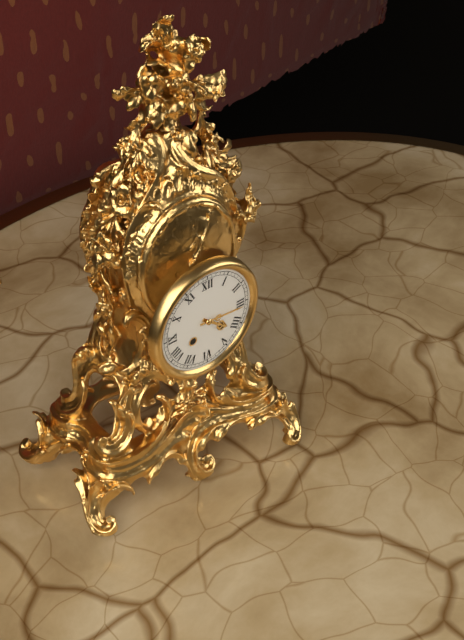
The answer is 4:16
